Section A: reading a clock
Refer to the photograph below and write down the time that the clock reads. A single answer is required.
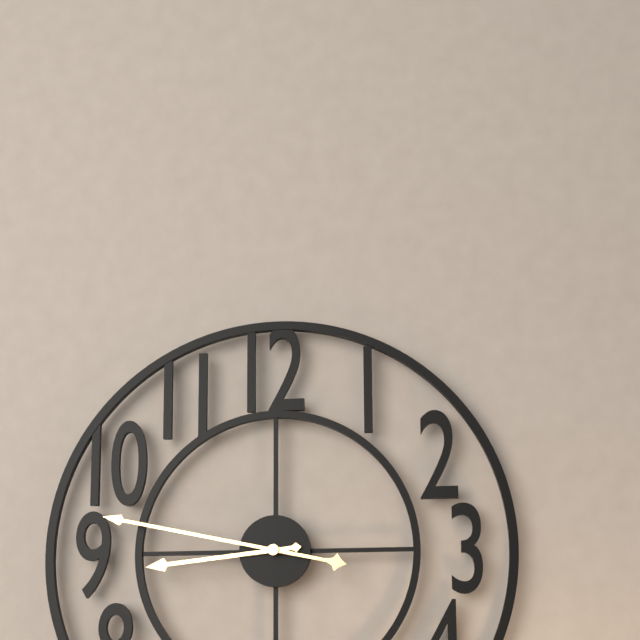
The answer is 8:47
